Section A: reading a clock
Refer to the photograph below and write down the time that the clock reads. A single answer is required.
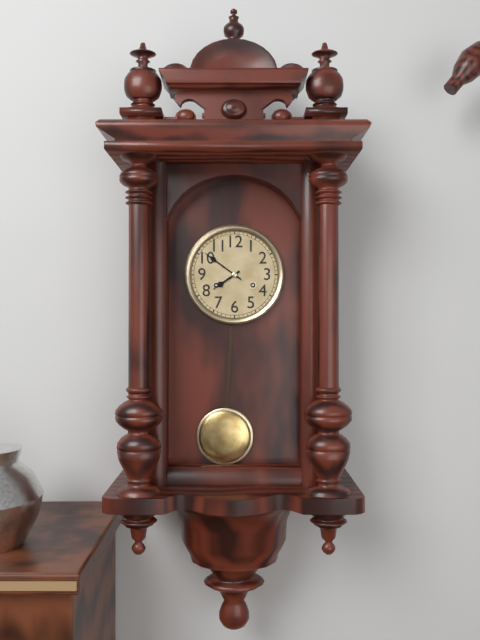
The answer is 7:51
